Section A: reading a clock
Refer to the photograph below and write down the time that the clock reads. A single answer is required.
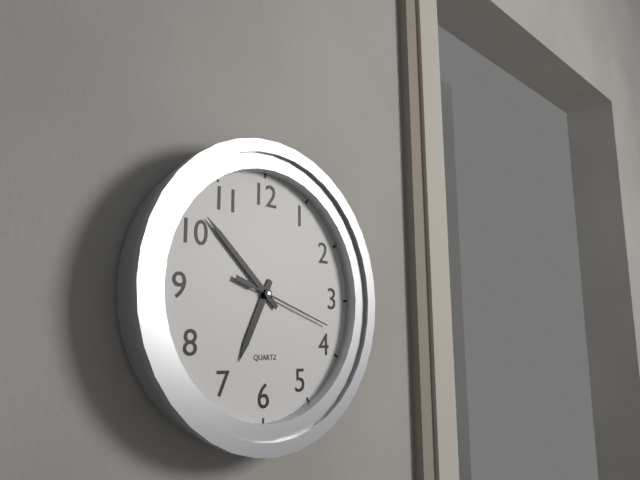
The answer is 6:52:18
